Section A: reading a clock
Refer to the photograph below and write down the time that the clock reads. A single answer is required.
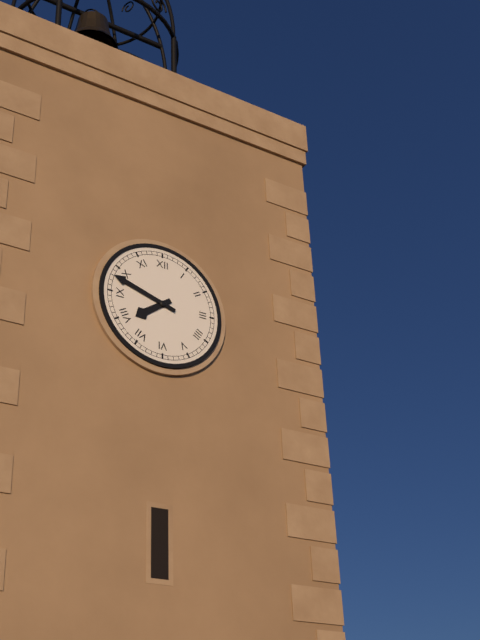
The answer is 7:48
